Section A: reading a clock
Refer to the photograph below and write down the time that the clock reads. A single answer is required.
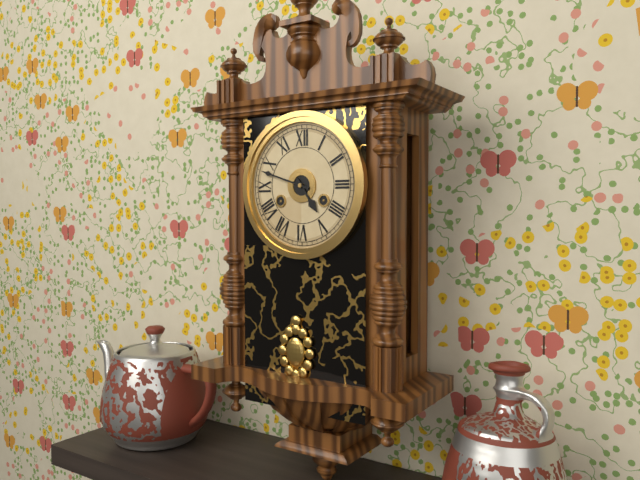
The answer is 4:48
